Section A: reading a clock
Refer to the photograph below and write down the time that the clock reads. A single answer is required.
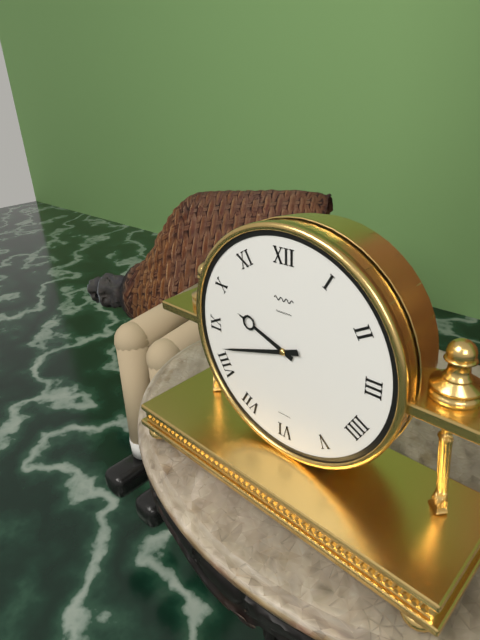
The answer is 9:42
